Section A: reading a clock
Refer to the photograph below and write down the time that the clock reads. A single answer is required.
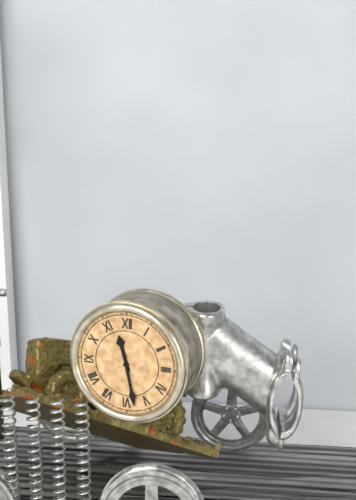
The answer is 11:28
